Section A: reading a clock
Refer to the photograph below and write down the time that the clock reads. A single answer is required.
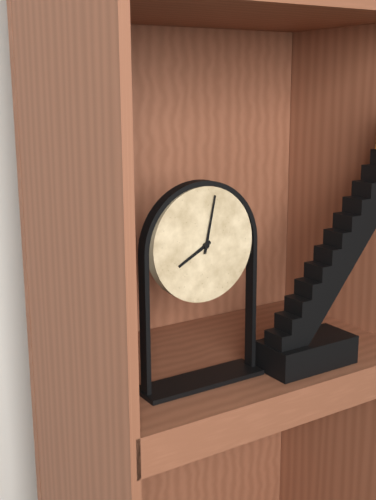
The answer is 8:02
